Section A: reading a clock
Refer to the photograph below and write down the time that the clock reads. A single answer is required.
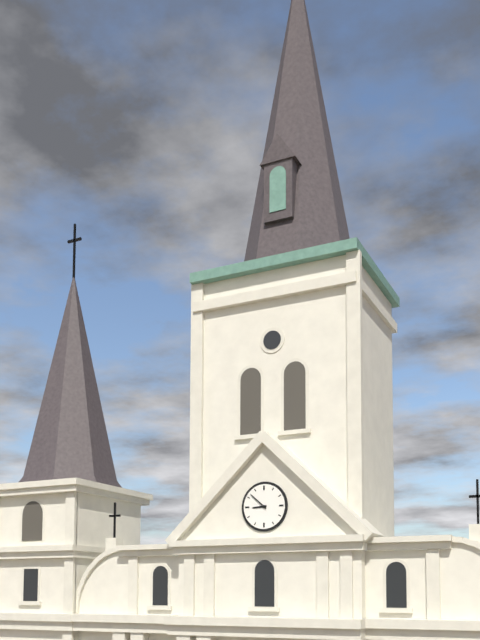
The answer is 8:52
